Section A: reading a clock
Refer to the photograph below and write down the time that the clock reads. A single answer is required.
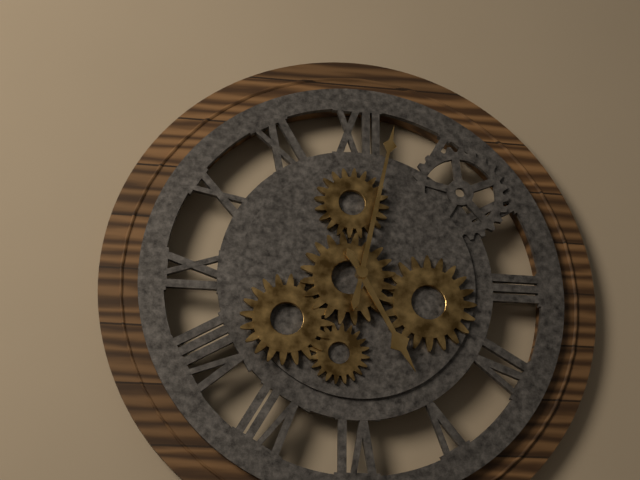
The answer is 5:02
